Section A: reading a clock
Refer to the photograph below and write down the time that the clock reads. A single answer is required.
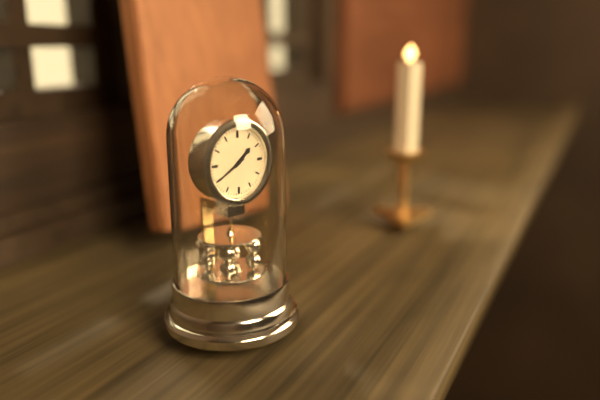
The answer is 1:40
